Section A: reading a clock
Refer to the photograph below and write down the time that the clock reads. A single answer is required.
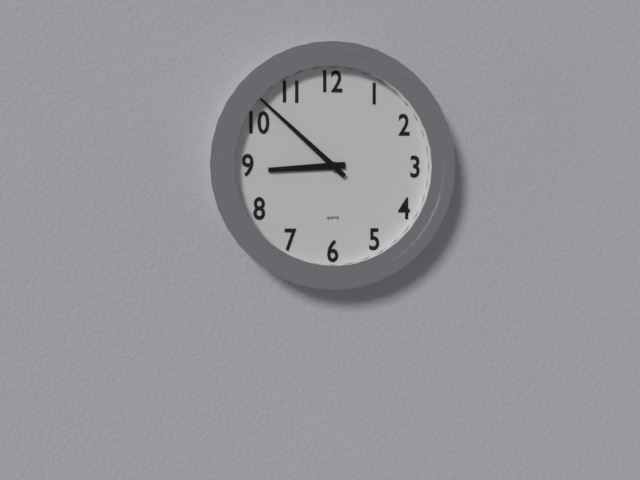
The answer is 8:52
